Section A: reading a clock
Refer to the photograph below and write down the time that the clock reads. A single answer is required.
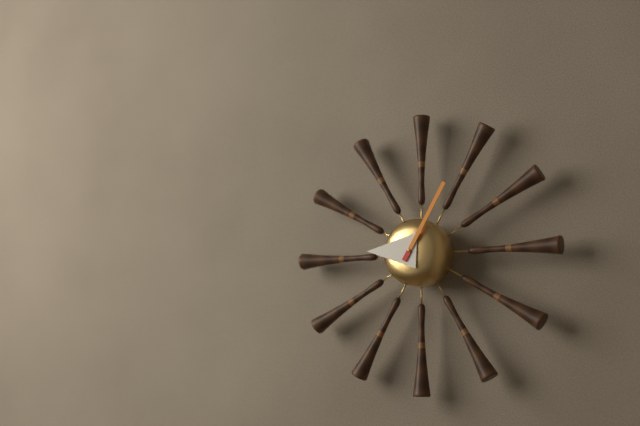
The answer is 9:05
